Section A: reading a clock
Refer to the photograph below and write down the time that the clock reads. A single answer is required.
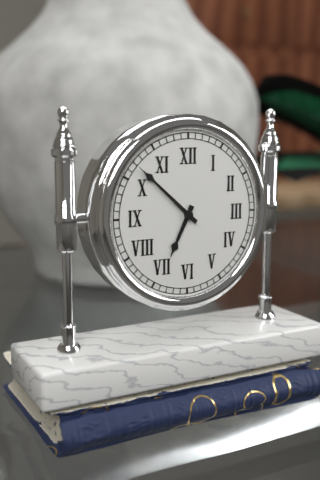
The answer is 6:52
